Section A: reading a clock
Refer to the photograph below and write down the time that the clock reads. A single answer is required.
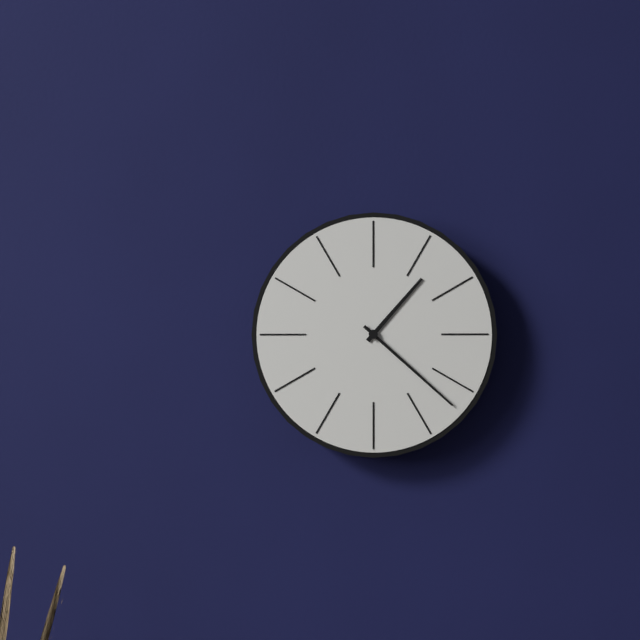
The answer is 1:22
